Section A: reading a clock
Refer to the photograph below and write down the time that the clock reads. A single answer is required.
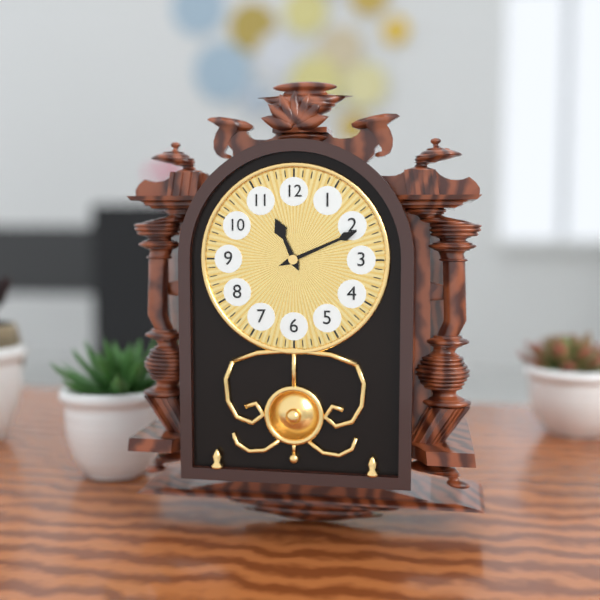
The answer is 11:11
